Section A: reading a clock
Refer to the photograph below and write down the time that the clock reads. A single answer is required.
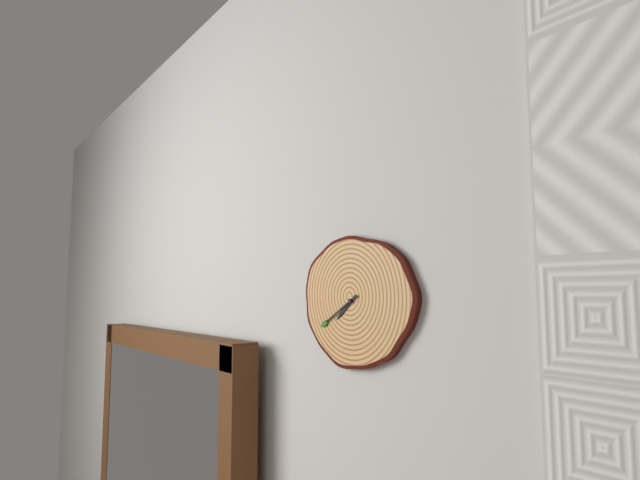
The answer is 7:40
